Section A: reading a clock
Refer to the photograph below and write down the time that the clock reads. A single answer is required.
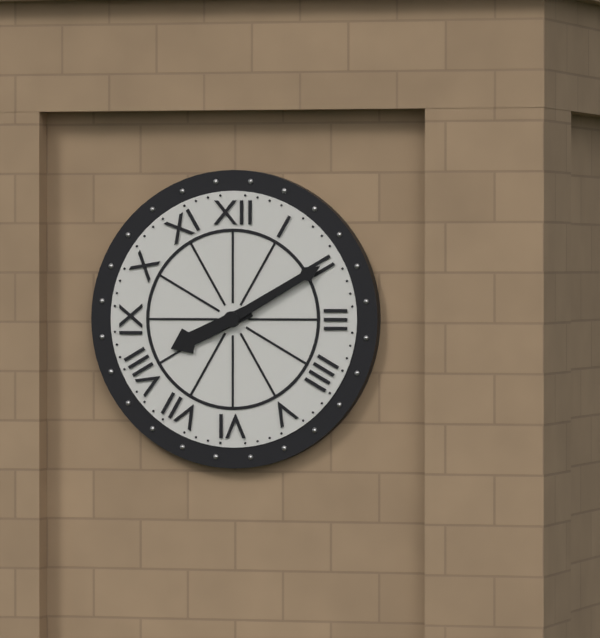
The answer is 8:10
